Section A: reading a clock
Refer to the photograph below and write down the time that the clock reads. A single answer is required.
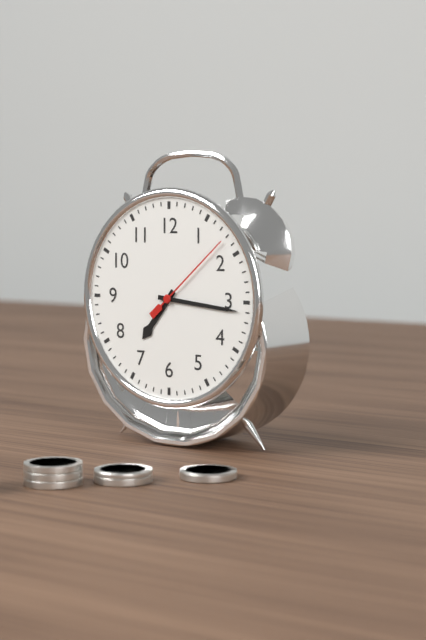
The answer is 7:16:08
